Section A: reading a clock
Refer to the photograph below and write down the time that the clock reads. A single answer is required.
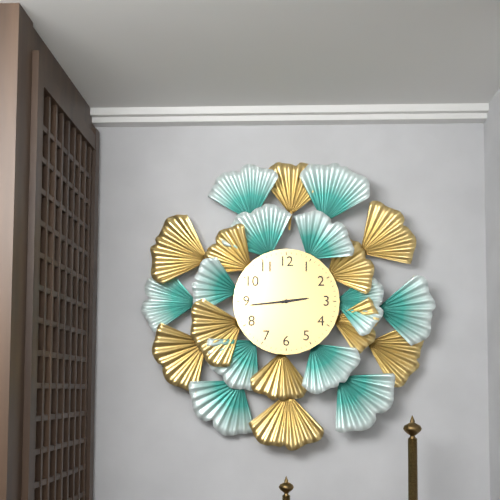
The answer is 2:44
